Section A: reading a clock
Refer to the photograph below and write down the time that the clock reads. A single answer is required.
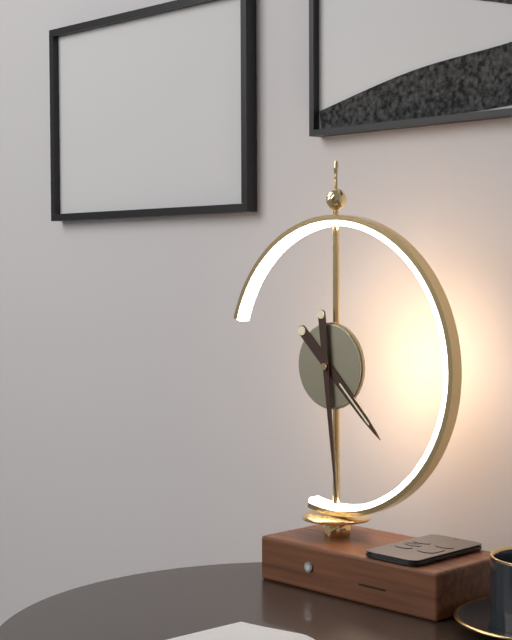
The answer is 4:29
